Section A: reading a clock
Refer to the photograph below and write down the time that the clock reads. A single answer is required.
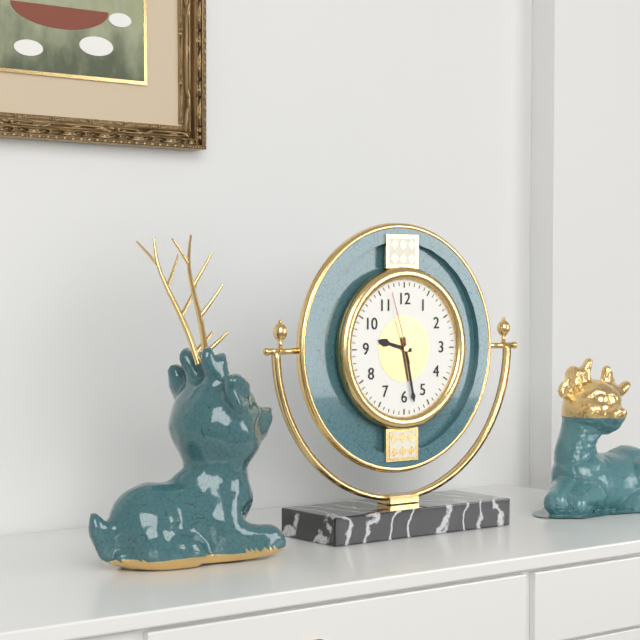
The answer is 9:28:57
